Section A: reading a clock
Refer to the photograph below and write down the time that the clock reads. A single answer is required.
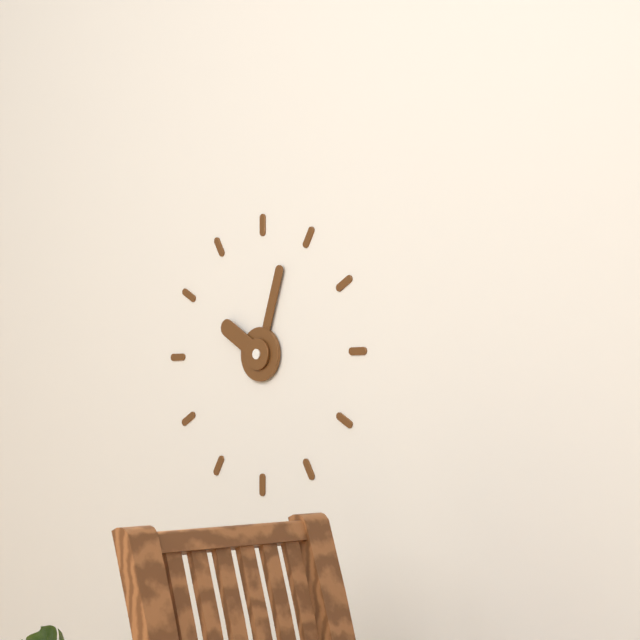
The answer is 10:03
